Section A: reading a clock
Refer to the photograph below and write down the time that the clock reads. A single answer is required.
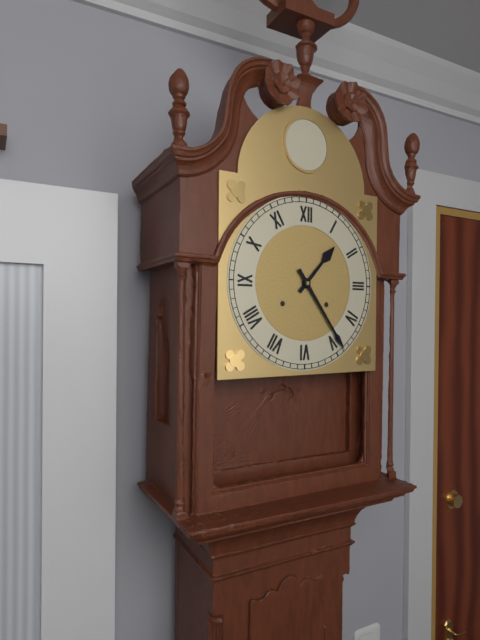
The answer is 1:24
